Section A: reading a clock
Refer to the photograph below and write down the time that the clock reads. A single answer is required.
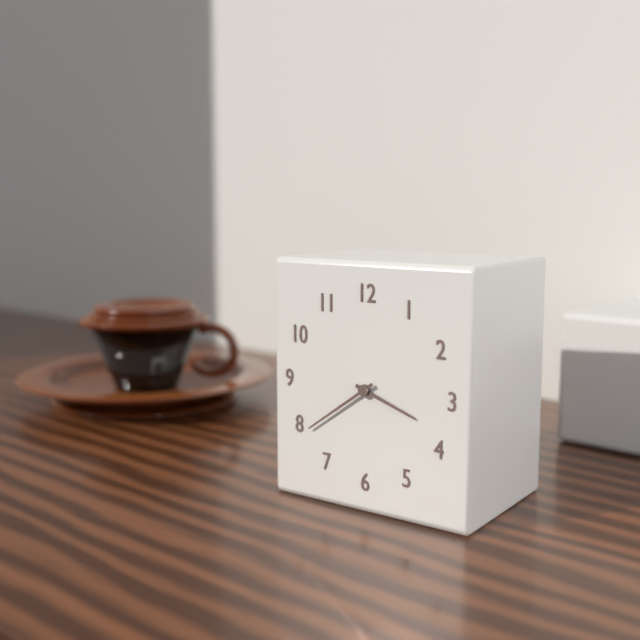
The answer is 3:39
